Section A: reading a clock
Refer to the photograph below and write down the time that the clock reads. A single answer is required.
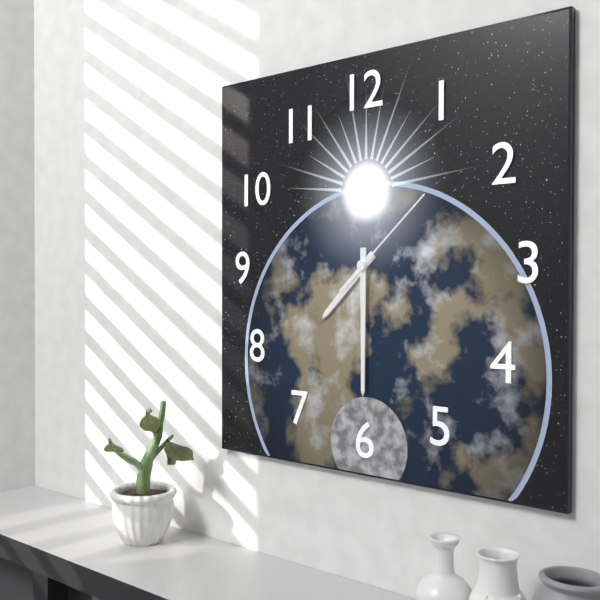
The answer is 7:30:08
